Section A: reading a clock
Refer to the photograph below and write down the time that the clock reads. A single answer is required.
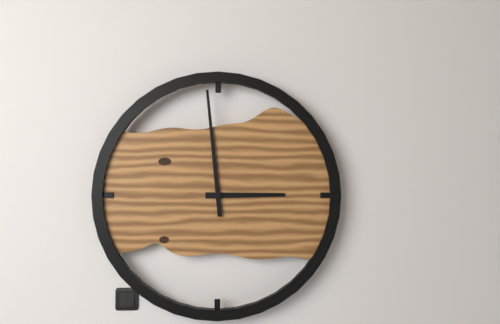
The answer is 2:59
